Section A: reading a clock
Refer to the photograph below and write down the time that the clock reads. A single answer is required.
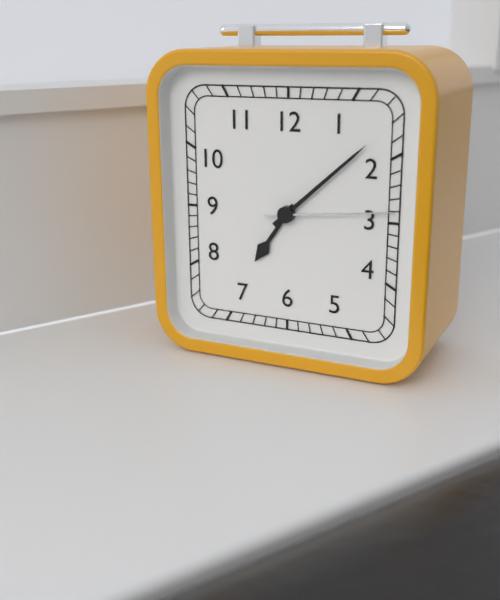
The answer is 7:08:14
